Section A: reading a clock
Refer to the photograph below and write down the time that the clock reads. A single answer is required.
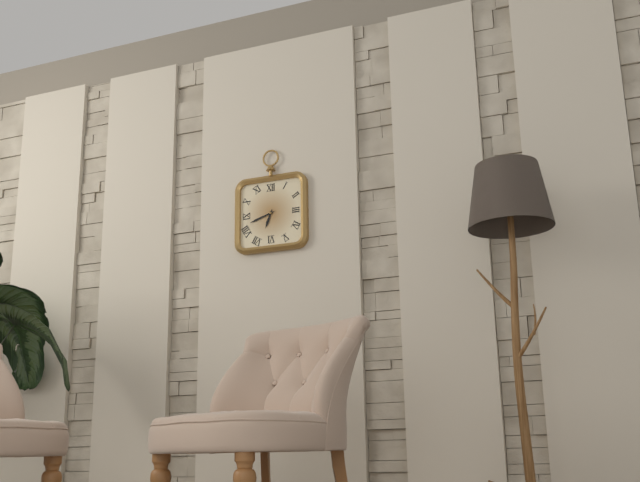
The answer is 6:42
